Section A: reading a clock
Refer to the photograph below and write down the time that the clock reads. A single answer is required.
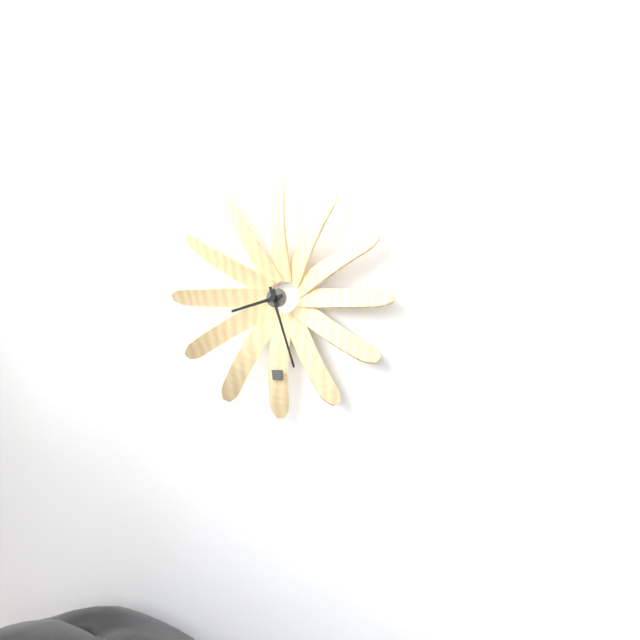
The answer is 8:27
